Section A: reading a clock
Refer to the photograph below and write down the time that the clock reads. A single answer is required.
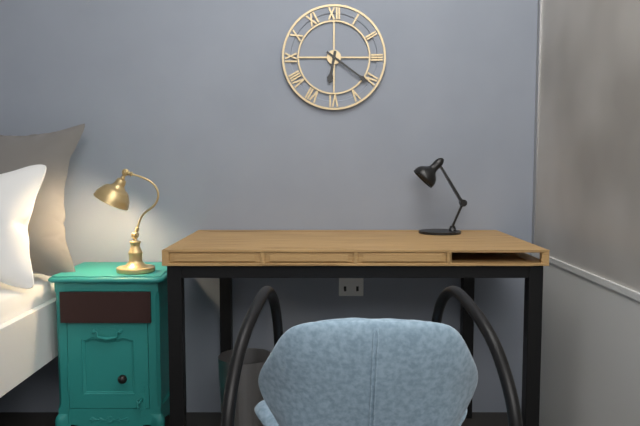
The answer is 6:21
